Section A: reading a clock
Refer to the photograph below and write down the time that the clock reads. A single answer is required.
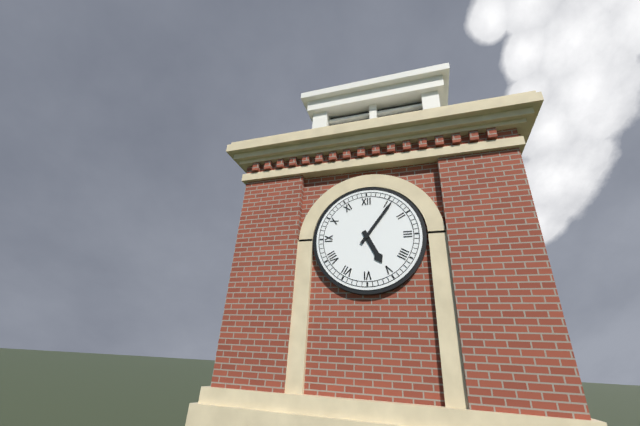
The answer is 5:06
